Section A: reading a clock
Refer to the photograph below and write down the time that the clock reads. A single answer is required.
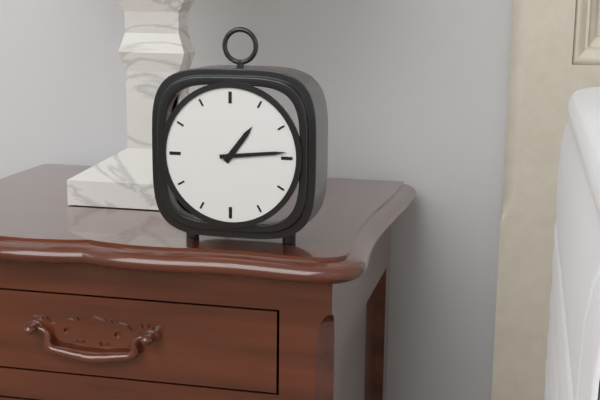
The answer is 1:14
